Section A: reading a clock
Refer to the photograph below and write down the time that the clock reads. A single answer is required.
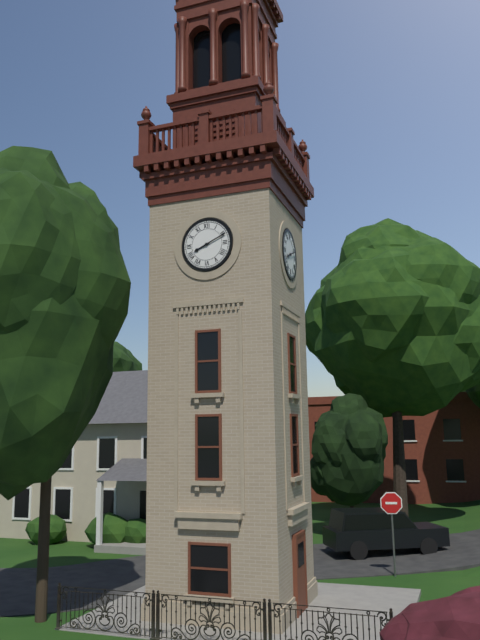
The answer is 8:11
